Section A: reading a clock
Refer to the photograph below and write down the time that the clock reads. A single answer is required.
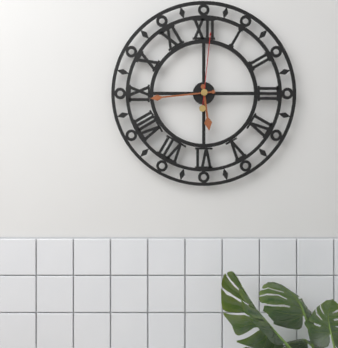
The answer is 5:44:01
